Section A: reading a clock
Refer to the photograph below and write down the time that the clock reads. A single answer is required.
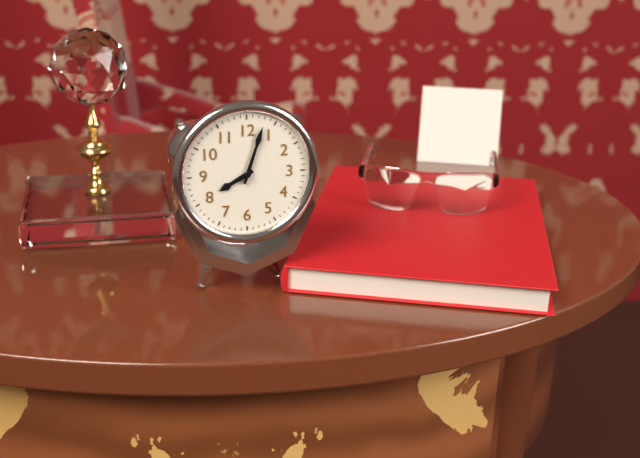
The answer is 8:03
